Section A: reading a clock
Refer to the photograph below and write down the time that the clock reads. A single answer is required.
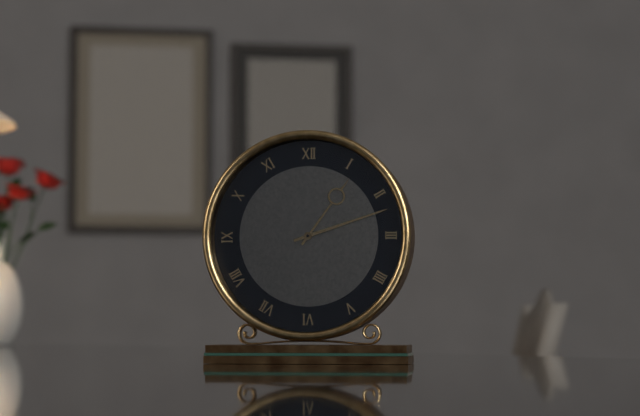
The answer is 1:12
